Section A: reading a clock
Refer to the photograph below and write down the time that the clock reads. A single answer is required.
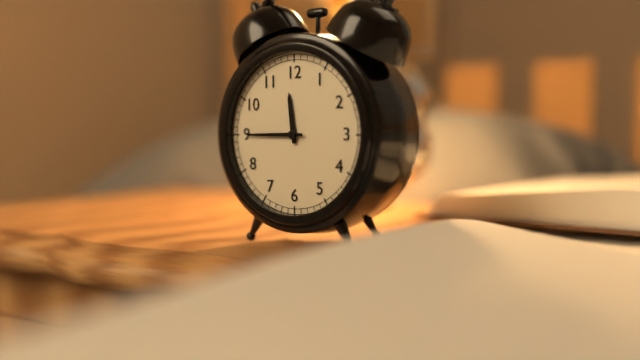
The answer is 11:45
